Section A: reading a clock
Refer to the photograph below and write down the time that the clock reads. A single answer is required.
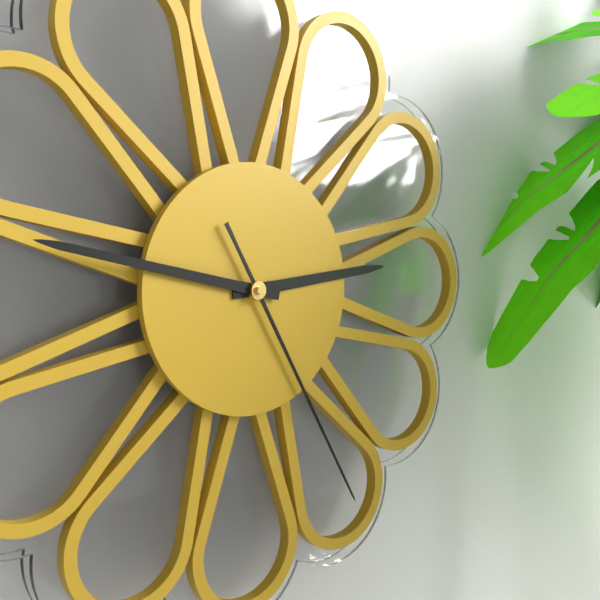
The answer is 2:47:25
